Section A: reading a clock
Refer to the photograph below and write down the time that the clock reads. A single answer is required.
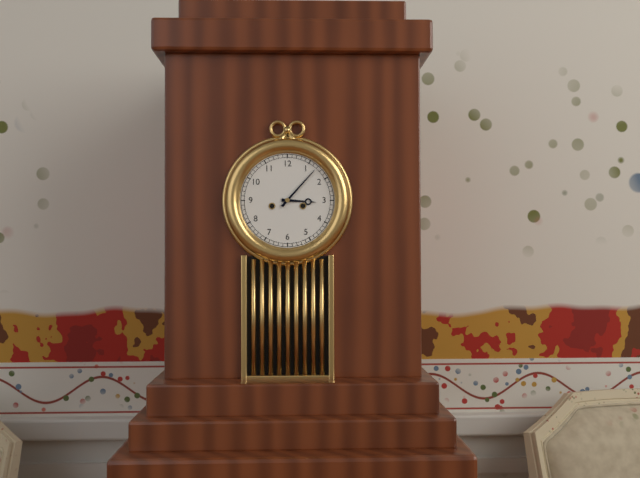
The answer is 3:07
